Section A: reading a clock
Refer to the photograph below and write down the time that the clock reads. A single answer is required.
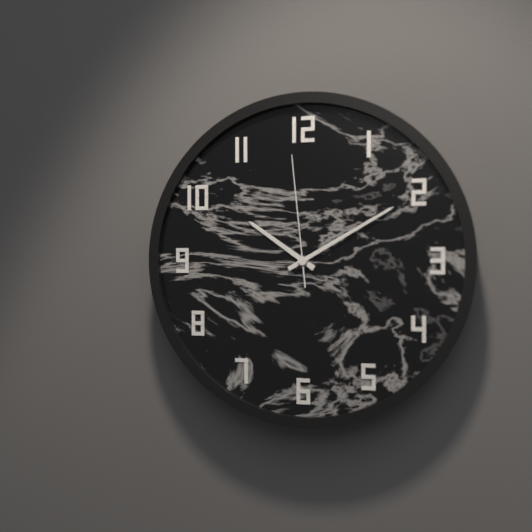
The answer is 10:10:59
